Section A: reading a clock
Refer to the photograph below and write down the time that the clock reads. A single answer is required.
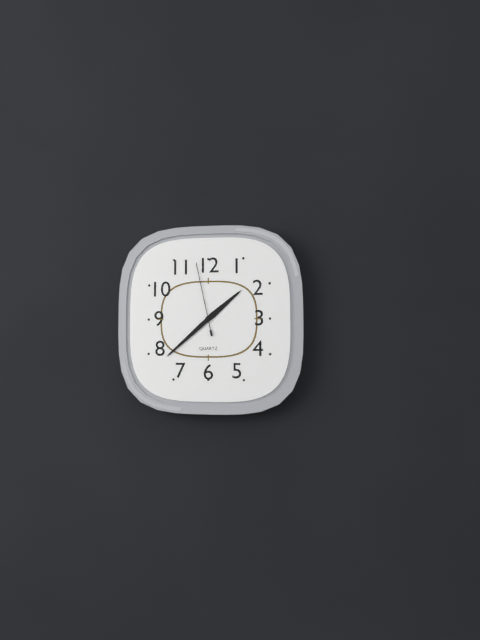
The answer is 1:38:58
